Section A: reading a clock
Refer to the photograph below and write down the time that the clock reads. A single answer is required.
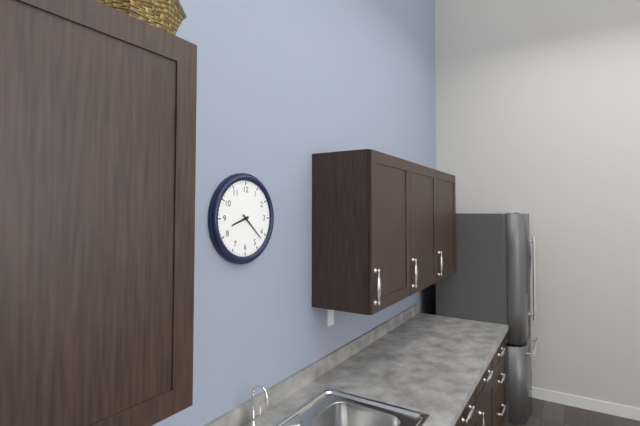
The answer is 8:22
